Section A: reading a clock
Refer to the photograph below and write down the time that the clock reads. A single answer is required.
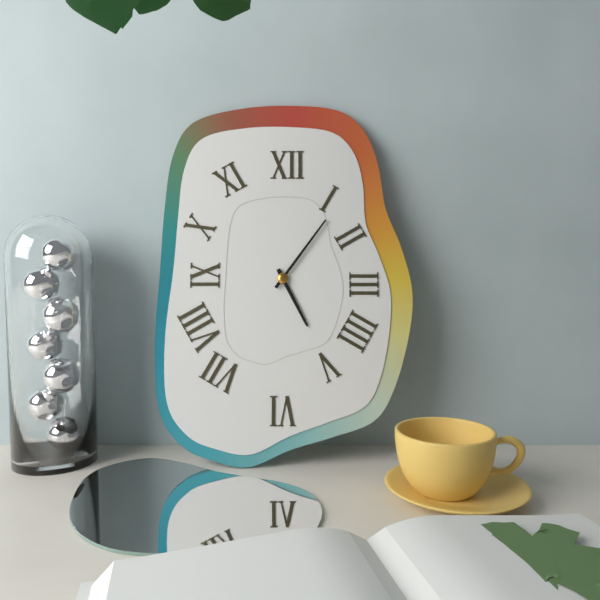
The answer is 5:06
